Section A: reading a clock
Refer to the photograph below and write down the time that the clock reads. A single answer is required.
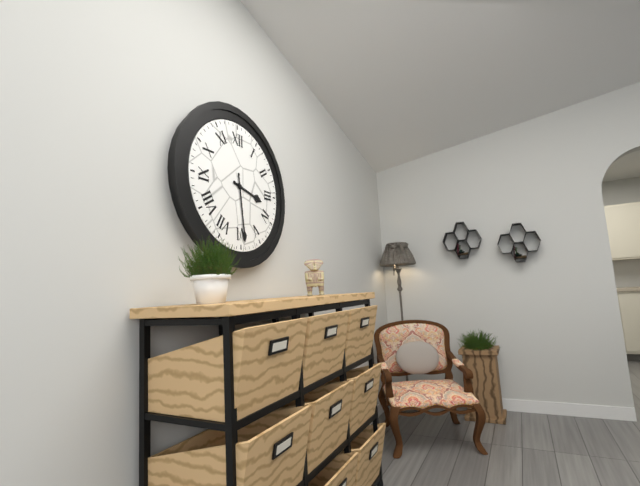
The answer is 3:29
